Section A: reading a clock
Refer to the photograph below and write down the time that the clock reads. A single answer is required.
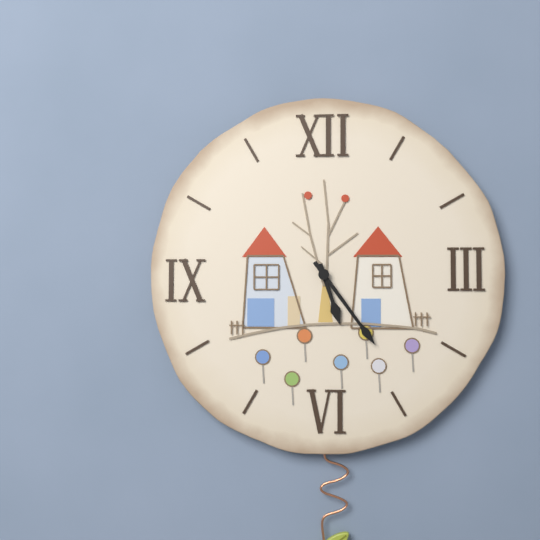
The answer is 5:24
